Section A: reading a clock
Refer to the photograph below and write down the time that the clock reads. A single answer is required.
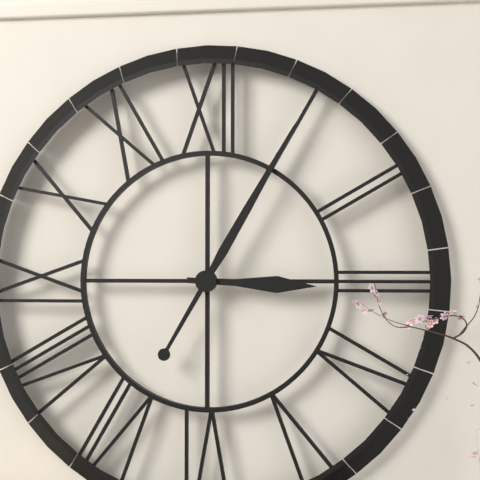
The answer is 3:05
